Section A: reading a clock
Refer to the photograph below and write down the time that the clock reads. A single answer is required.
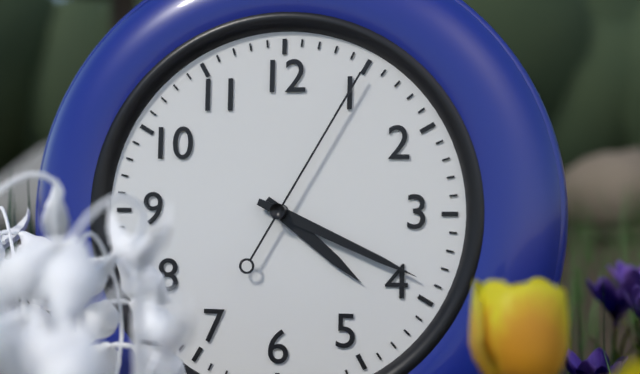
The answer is 4:19:05
